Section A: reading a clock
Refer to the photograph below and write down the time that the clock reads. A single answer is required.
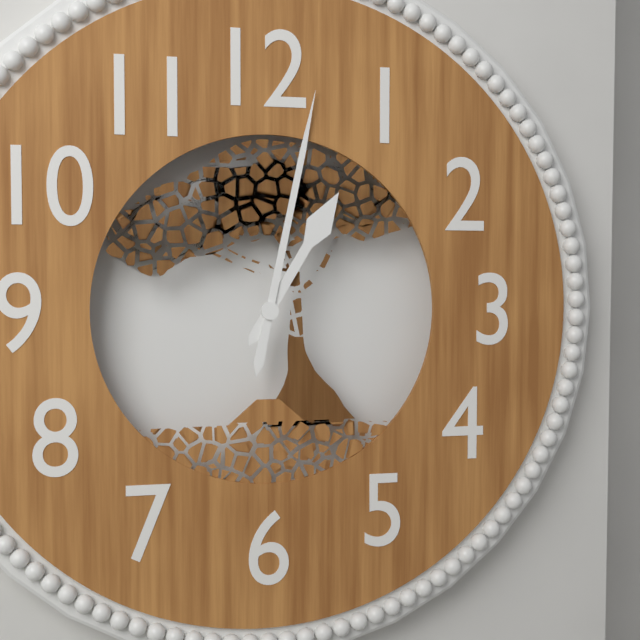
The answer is 1:02
